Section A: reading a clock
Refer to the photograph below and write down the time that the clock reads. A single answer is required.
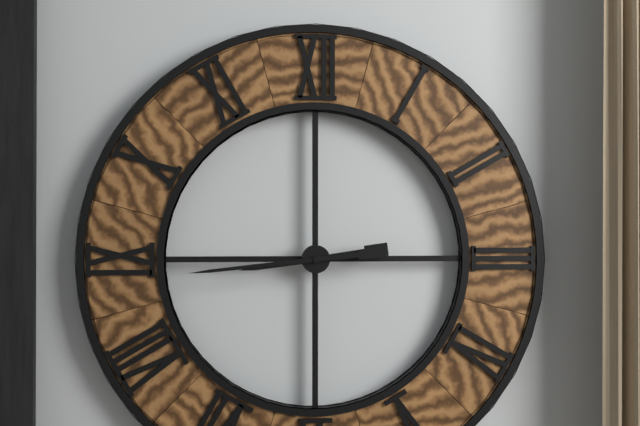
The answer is 8:44
